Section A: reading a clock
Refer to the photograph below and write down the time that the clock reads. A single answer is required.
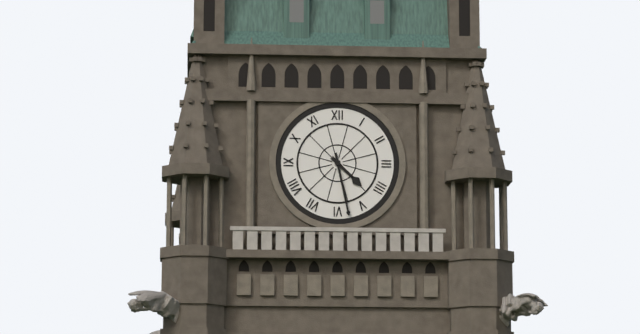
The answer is 4:28
